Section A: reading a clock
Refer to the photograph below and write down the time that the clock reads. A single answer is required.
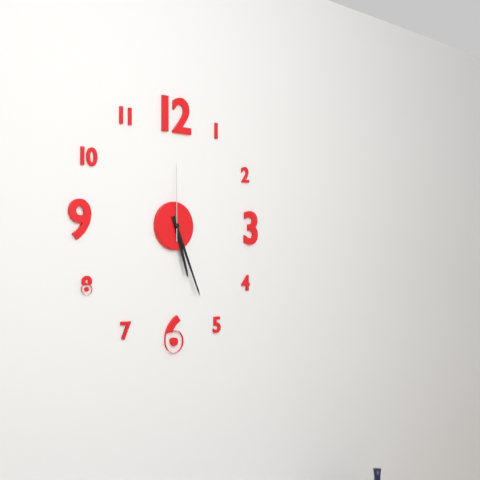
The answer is 5:26:00
